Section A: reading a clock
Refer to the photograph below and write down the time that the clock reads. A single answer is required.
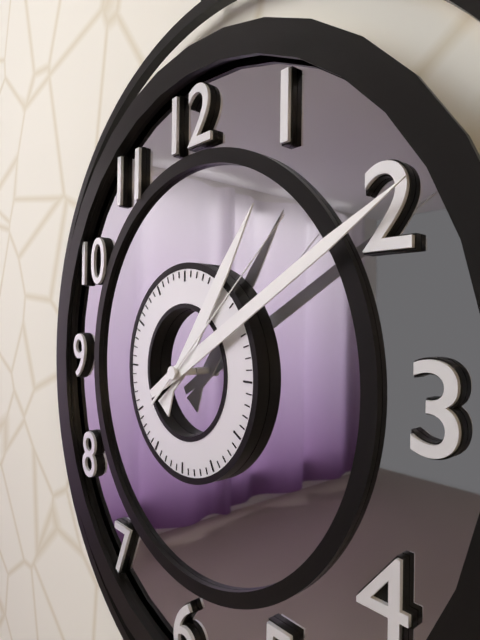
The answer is 1:10:08
